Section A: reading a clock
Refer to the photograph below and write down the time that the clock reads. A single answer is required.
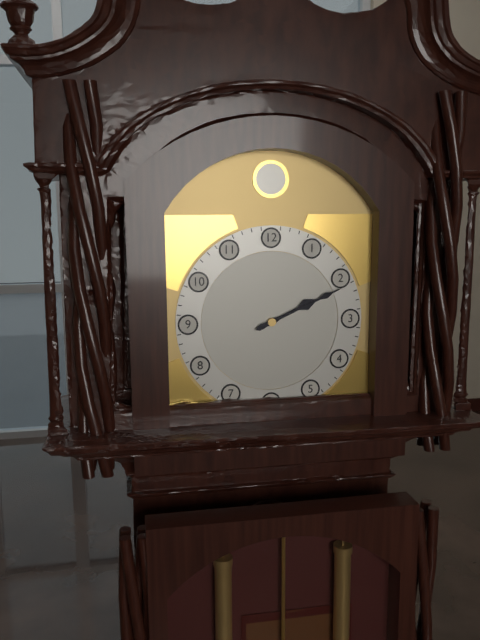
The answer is 2:11
